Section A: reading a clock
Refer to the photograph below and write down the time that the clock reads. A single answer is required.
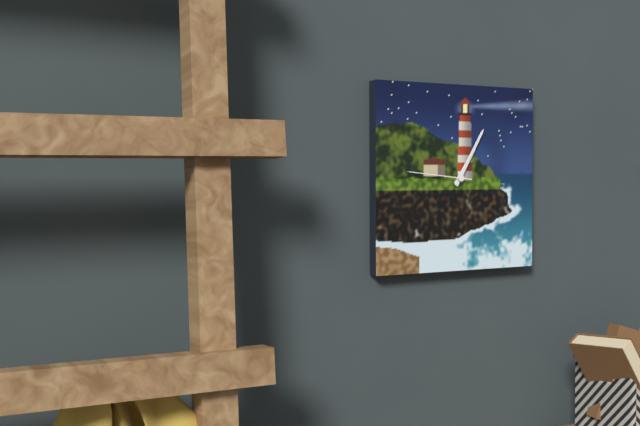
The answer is 1:05:46
